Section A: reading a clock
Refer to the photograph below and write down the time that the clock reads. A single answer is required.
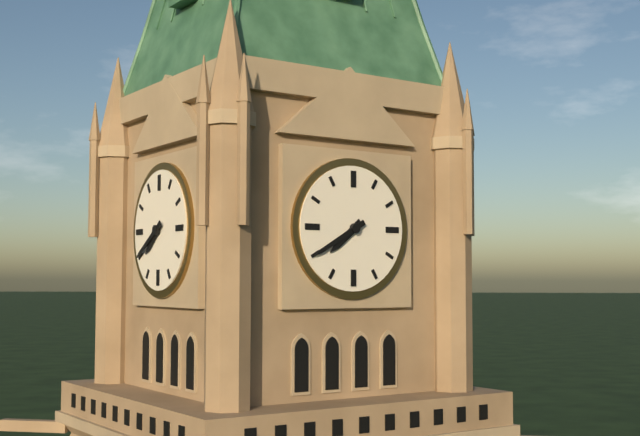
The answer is 7:40
